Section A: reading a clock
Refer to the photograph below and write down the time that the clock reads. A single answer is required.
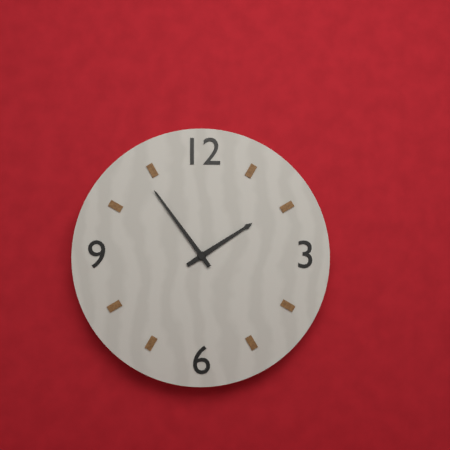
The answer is 1:54
